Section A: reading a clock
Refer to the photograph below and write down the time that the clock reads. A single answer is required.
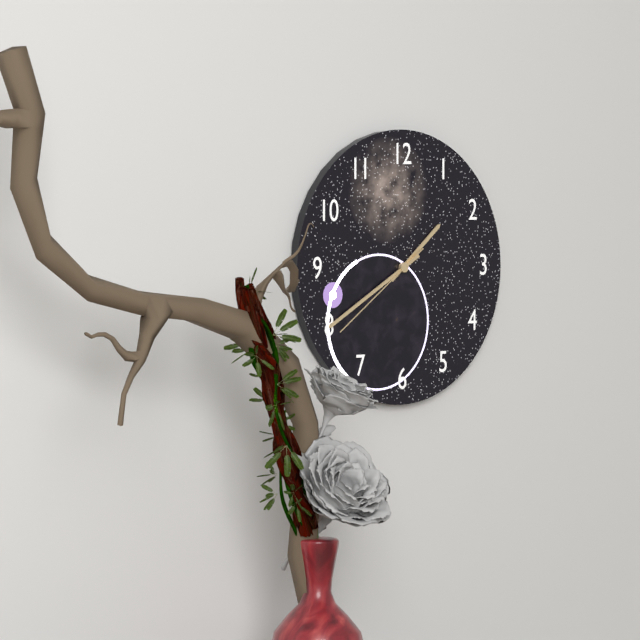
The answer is 1:40:39
